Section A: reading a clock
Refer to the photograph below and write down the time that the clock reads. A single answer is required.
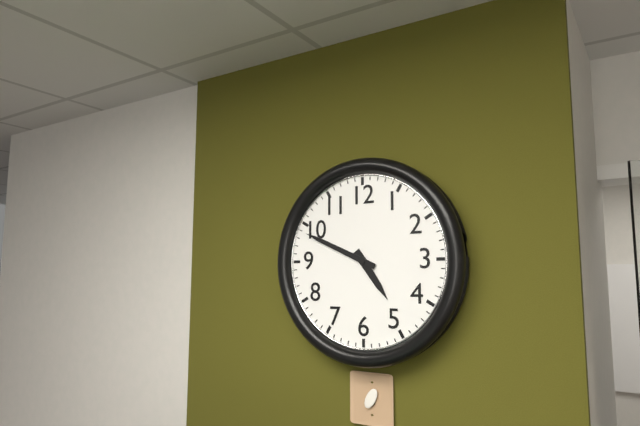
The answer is 4:49
